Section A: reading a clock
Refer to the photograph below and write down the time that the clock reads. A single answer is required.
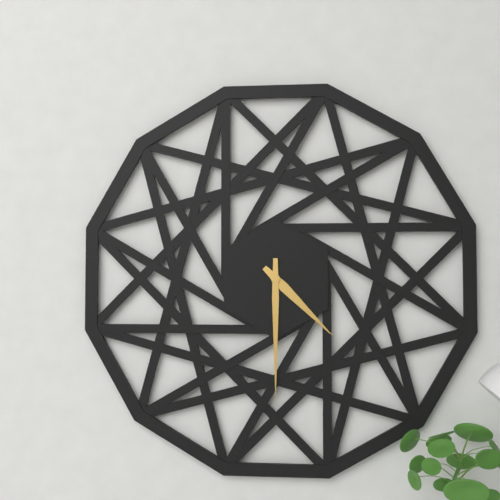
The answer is 4:30
